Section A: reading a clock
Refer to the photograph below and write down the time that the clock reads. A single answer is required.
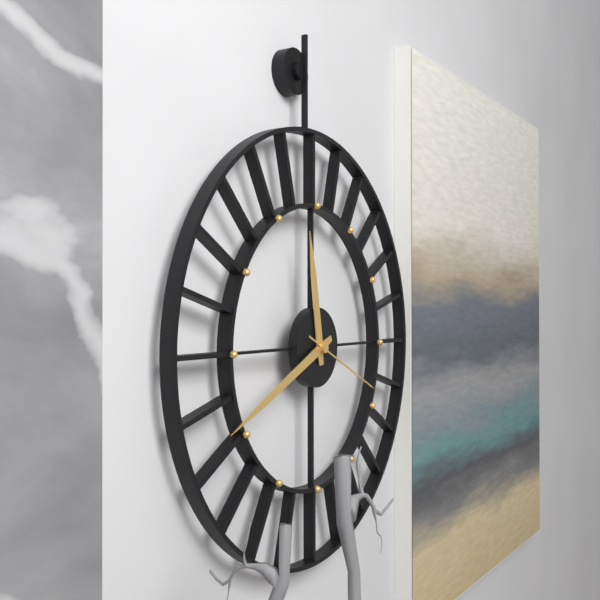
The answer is 11:41:19
